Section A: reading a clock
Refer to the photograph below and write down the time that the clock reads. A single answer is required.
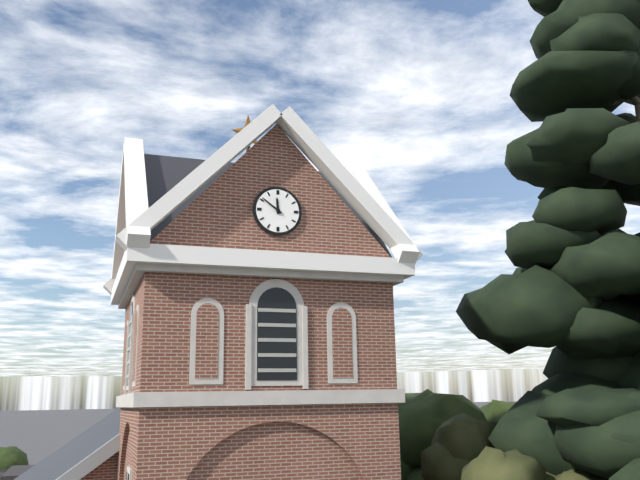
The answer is 11:51
